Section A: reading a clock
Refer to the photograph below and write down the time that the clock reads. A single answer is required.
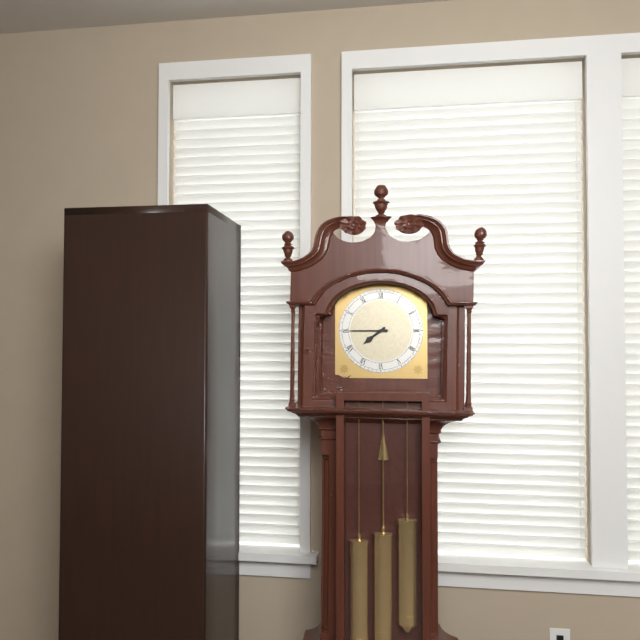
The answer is 7:45
